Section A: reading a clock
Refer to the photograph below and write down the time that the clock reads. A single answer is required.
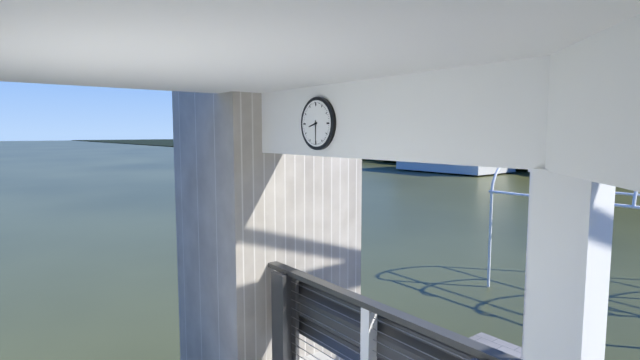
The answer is 8:30
